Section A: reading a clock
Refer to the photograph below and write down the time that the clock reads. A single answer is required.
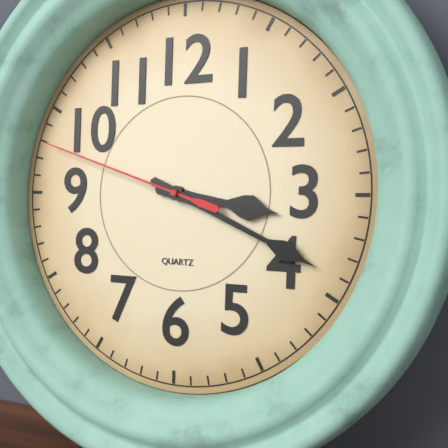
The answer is 3:19:48
